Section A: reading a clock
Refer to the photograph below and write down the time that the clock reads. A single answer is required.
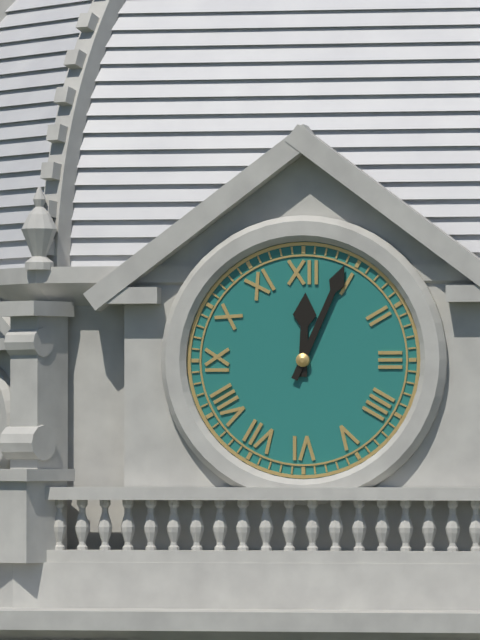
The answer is 12:04
